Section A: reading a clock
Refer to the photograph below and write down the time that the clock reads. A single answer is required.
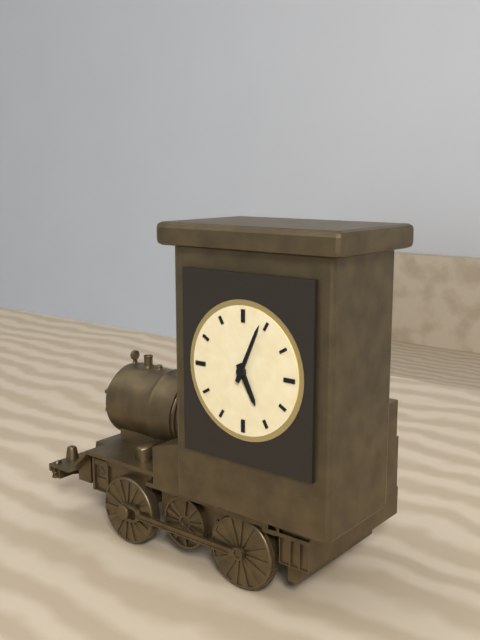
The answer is 5:04
